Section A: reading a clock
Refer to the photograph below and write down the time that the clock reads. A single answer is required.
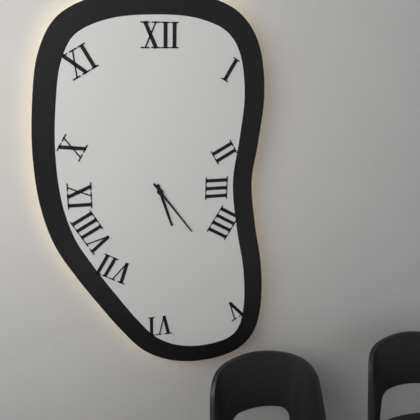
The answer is 5:24
